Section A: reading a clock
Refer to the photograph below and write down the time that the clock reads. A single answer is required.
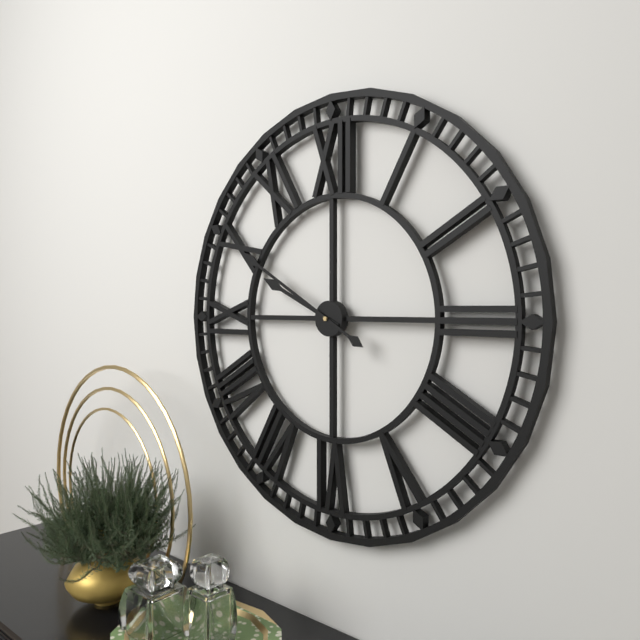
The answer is 9:50
